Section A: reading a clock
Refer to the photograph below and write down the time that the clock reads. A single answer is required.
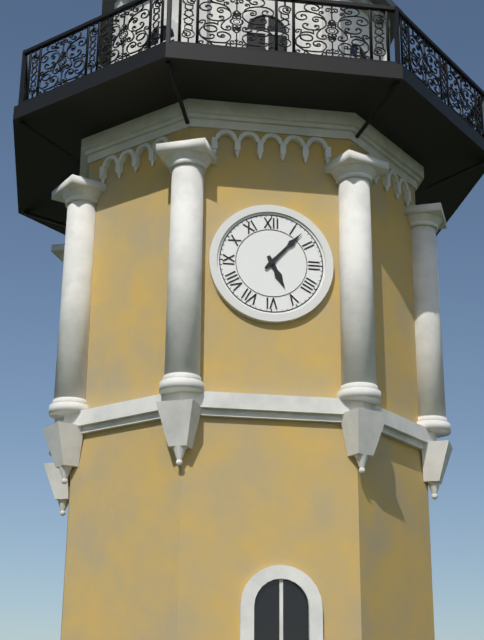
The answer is 5:07
